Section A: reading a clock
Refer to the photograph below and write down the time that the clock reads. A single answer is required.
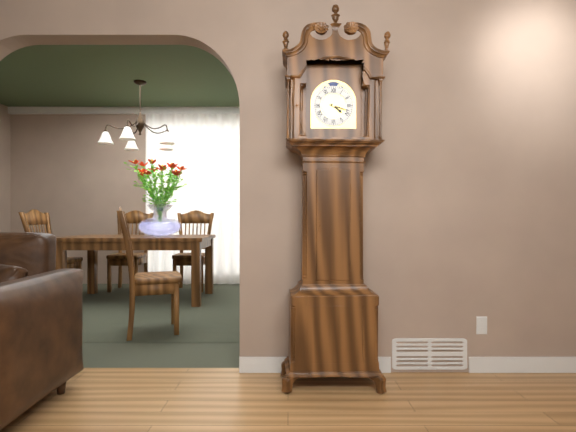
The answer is 4:18
